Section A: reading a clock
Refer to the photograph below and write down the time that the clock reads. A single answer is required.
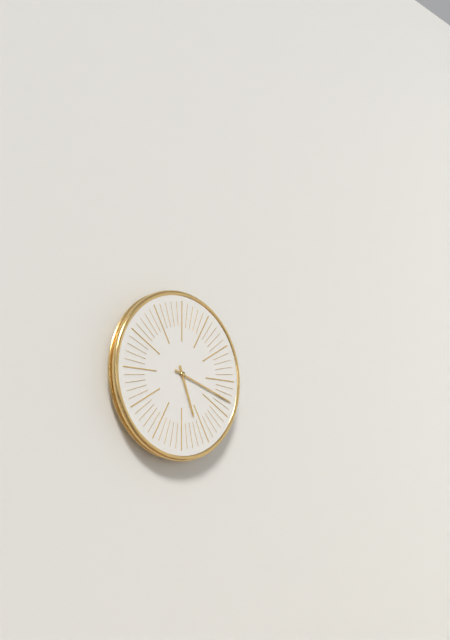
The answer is 5:18
